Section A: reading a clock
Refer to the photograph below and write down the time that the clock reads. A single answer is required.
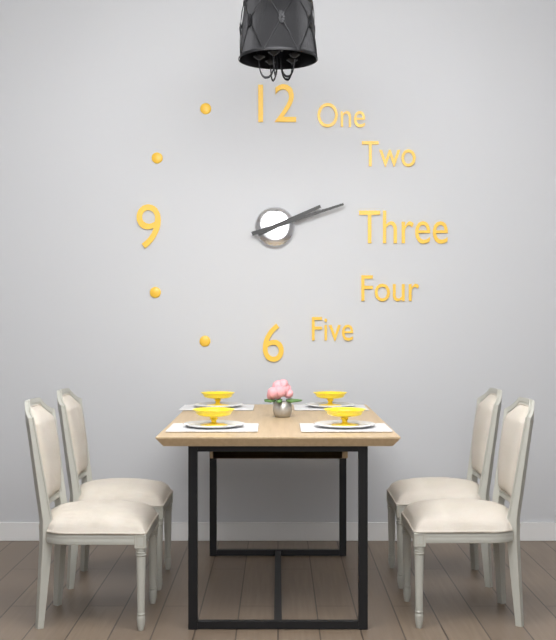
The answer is 2:12
